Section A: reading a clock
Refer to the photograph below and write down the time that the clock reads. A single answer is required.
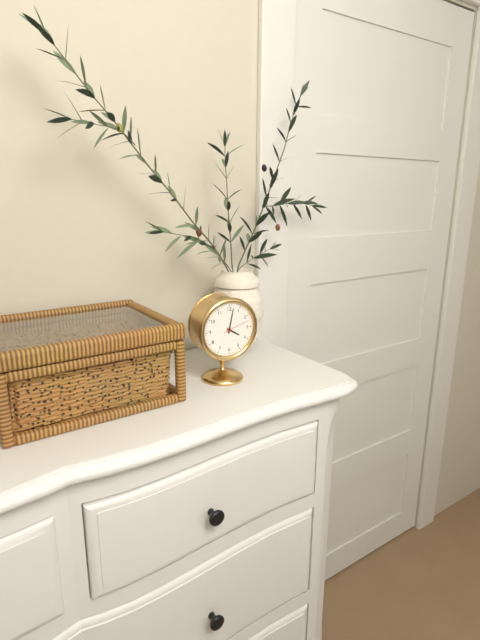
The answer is 4:02
